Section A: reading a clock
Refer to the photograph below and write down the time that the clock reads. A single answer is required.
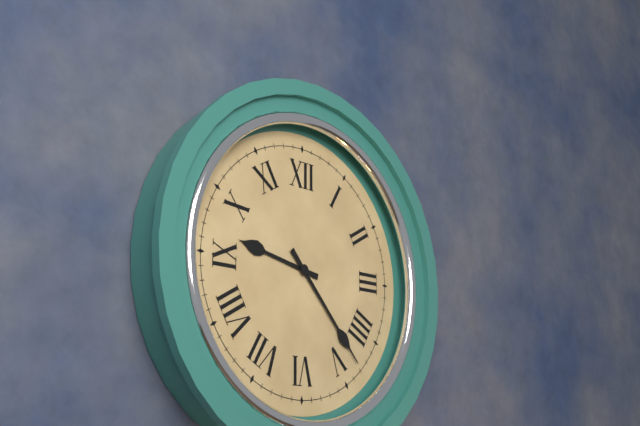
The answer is 9:23
